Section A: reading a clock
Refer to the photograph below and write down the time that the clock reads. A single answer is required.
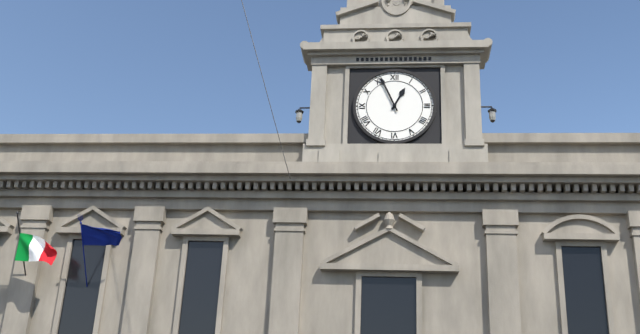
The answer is 12:56
